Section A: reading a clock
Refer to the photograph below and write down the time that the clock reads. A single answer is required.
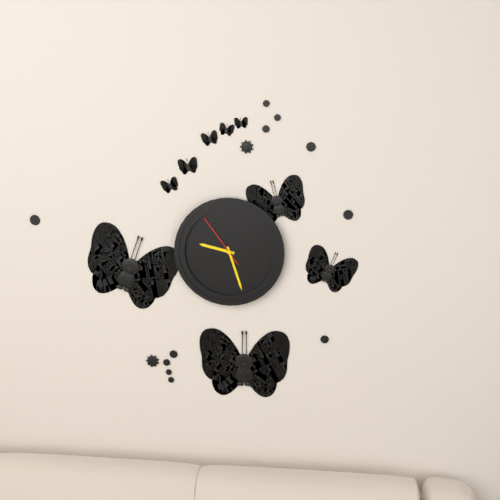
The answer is 9:27:54
